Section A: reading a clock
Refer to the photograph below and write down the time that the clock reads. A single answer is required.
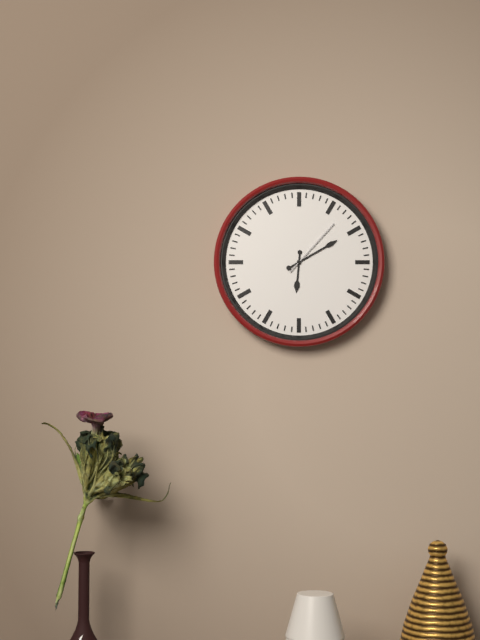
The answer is 6:10:07
